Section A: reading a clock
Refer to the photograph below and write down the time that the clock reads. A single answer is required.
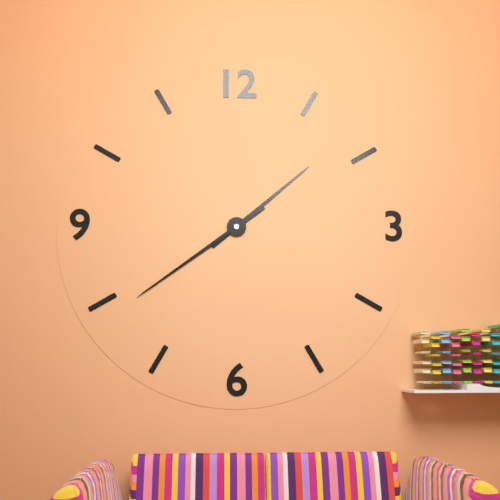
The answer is 1:39
